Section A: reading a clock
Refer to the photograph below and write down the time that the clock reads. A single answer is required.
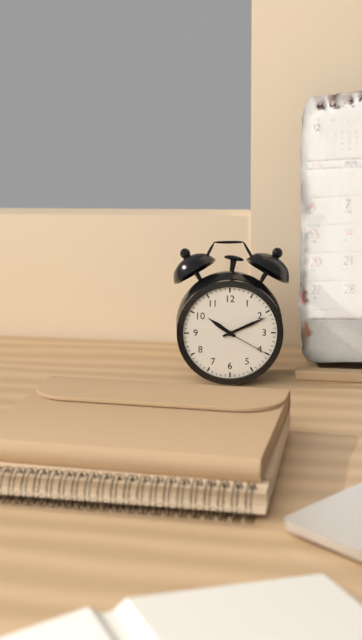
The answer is 10:11:20
